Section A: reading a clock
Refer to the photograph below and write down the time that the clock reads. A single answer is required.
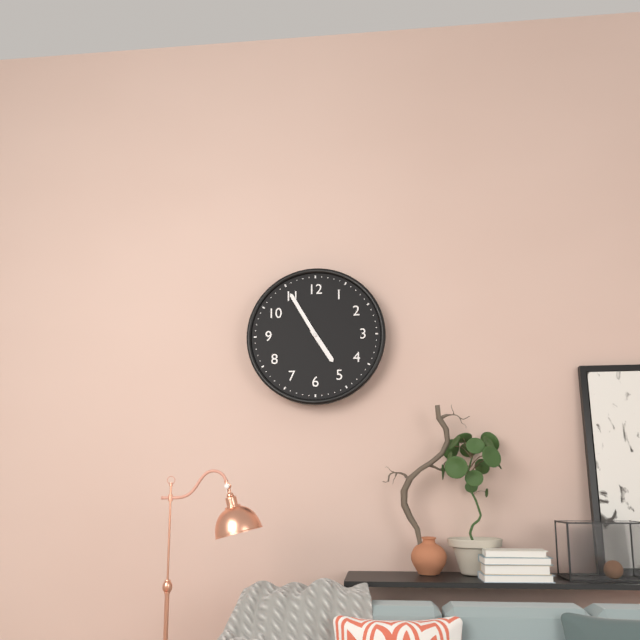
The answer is 4:55
